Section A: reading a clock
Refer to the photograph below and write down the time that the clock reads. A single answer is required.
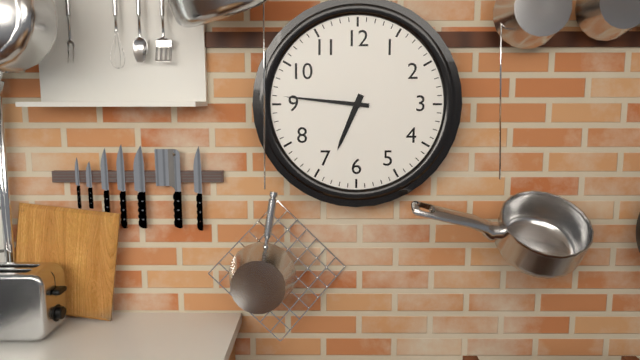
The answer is 6:46
